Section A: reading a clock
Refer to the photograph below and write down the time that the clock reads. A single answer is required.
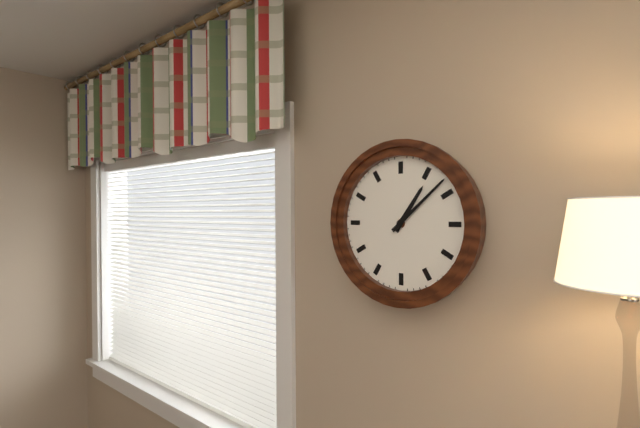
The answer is 1:08
